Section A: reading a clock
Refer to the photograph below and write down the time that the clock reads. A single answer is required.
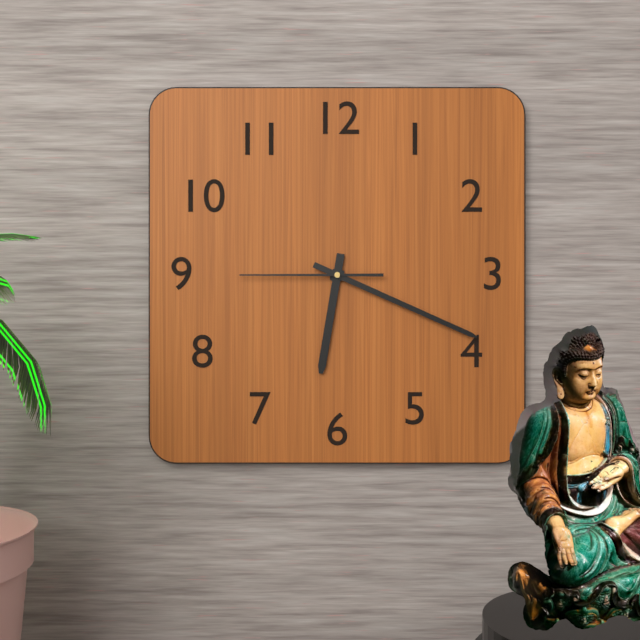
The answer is 6:19:45
